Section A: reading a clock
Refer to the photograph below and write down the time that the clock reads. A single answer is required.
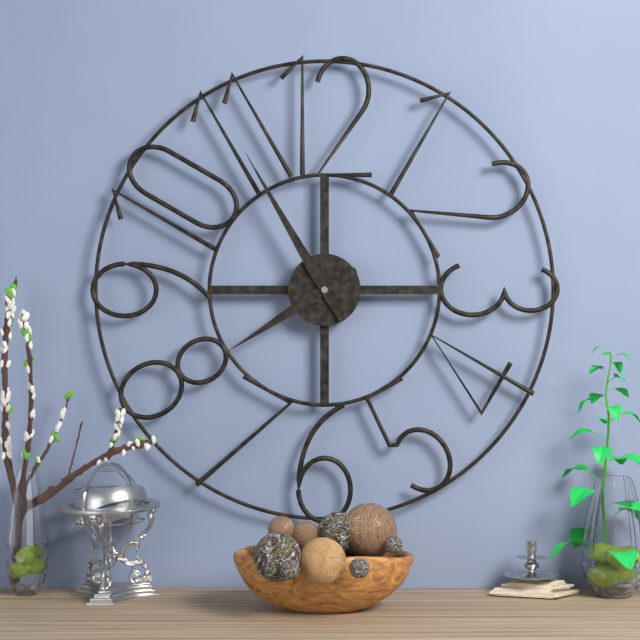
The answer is 7:55
